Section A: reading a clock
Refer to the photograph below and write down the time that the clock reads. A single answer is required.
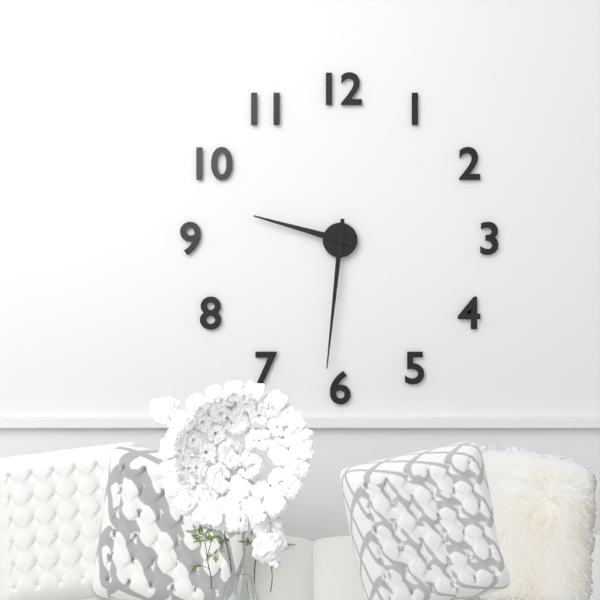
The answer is 9:31
